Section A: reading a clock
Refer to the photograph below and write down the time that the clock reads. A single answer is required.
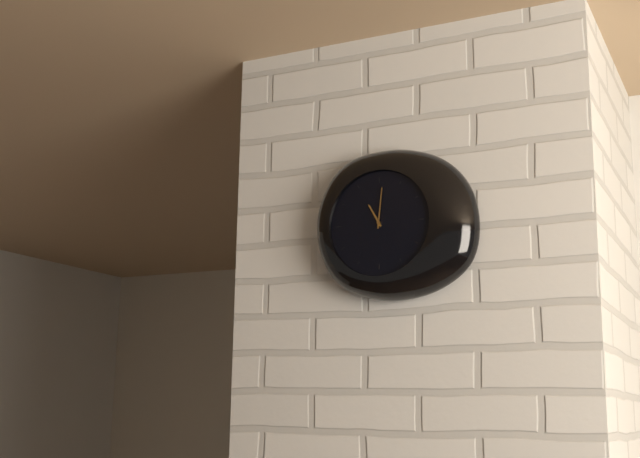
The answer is 11:01
